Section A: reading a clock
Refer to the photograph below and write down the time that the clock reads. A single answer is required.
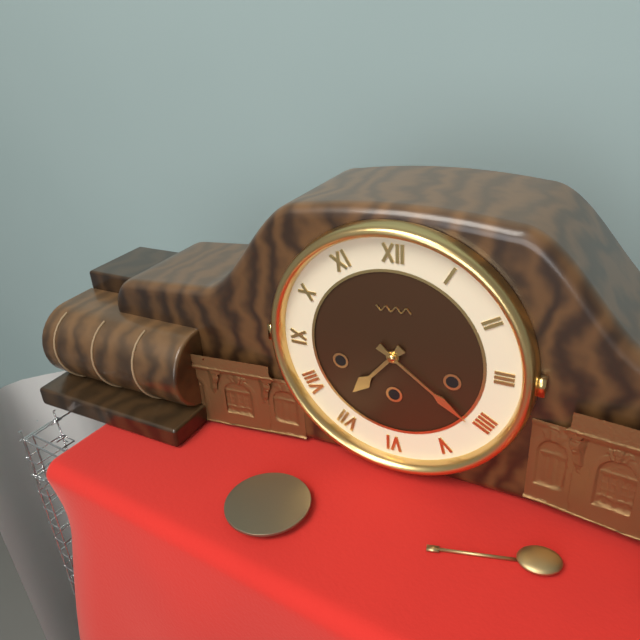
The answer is 7:21
